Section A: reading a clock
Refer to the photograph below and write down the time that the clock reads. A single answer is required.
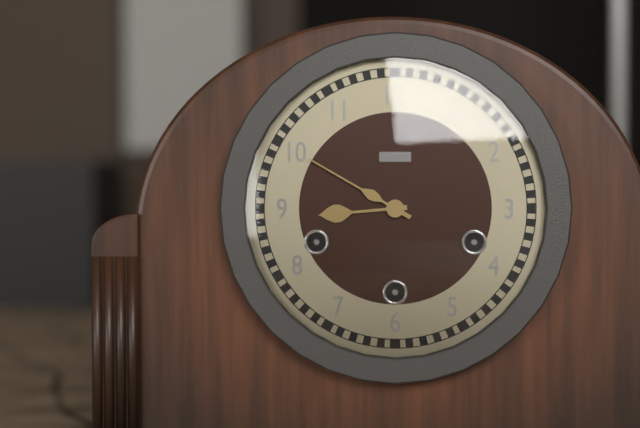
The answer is 8:50
